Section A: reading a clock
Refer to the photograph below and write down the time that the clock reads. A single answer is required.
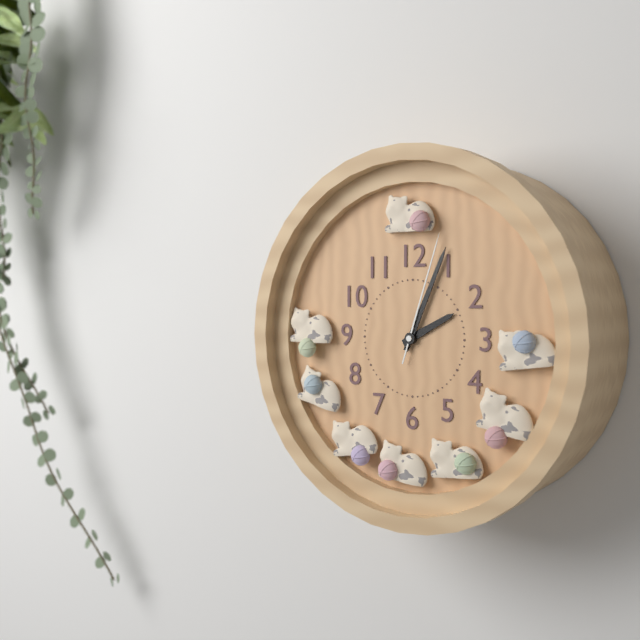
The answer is 2:04:03
